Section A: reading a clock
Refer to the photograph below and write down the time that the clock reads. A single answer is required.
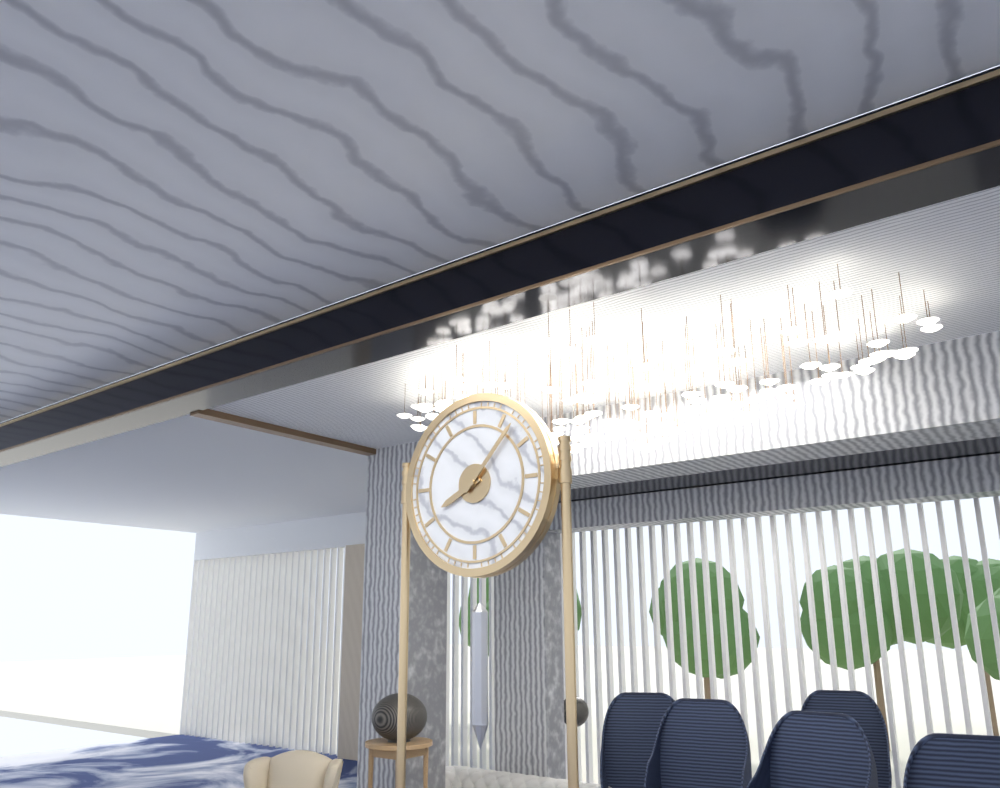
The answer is 8:07
